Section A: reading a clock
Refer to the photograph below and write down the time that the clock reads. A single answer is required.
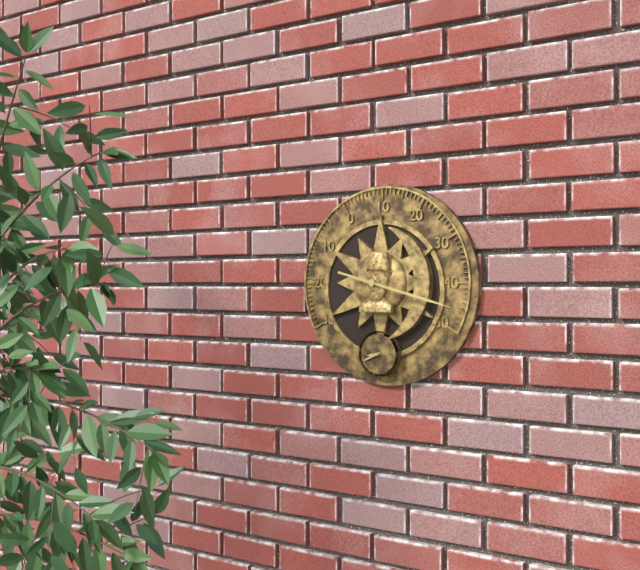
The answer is 8:41
